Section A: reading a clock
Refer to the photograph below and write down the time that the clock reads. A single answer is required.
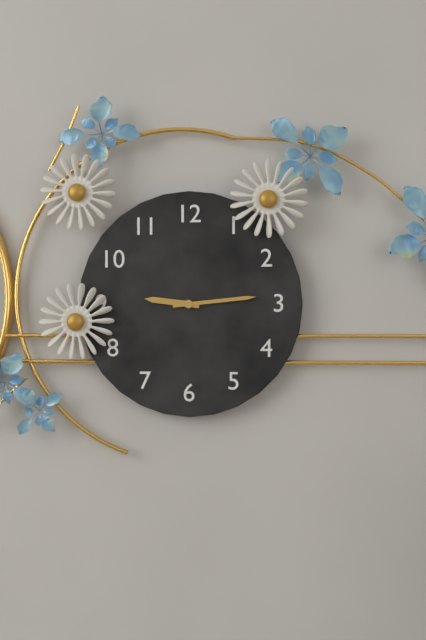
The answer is 9:14
